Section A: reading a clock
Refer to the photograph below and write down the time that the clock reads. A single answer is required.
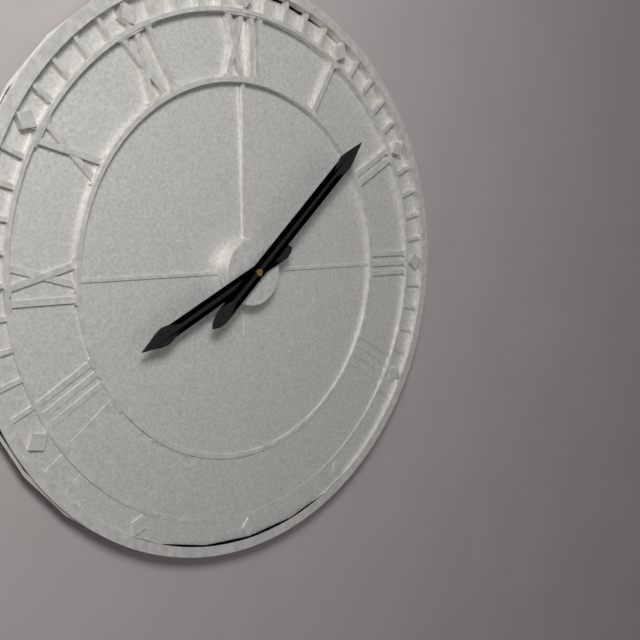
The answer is 8:08
